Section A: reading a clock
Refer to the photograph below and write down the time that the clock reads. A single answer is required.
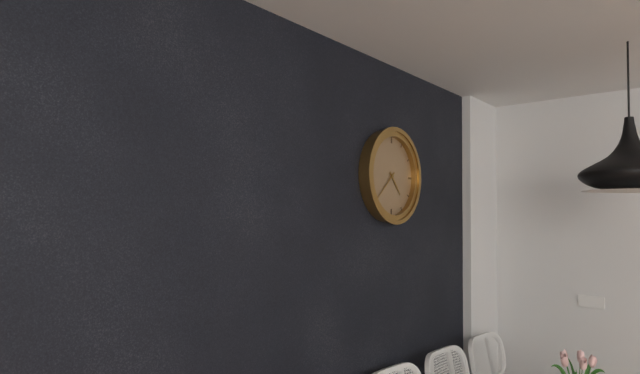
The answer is 4:38
